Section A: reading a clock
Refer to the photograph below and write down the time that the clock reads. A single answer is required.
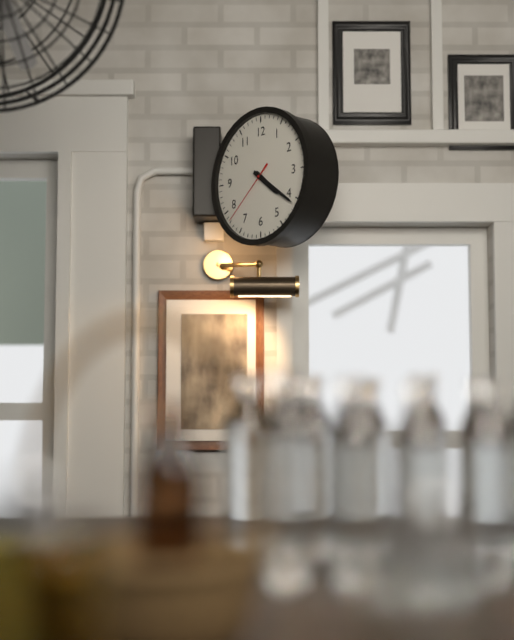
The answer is 4:21:38
